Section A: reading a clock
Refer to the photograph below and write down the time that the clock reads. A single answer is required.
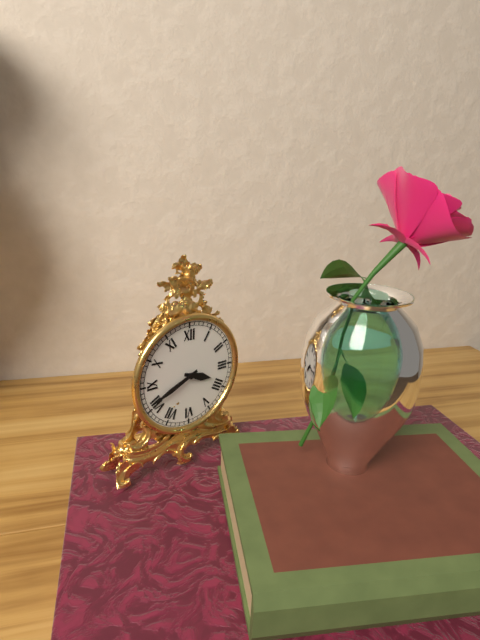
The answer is 3:41
